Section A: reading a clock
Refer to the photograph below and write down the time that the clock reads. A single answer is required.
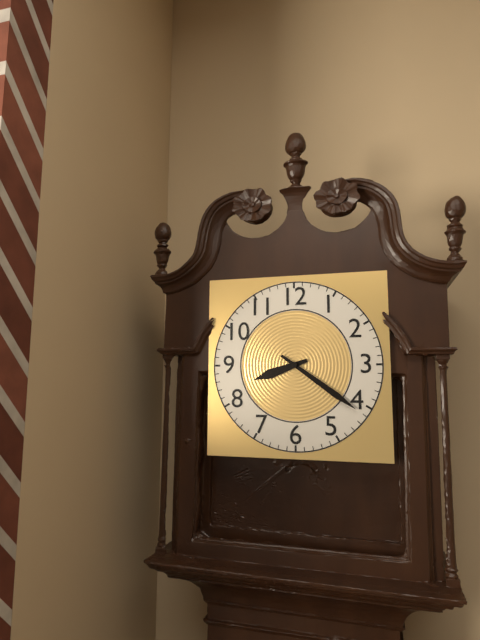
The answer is 8:21
